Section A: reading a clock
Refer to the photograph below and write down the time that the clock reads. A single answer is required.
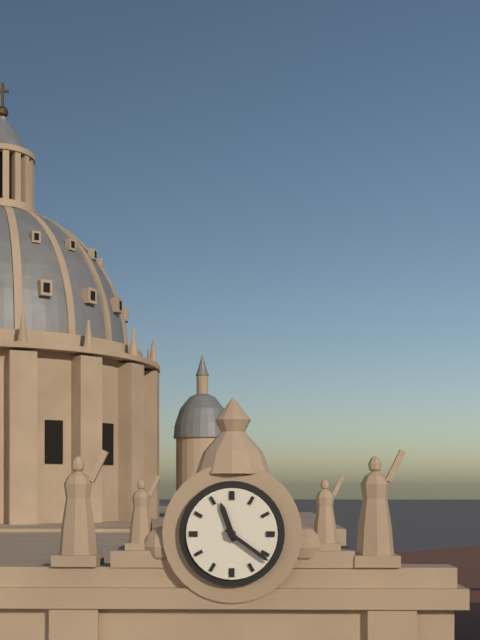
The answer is 11:21
